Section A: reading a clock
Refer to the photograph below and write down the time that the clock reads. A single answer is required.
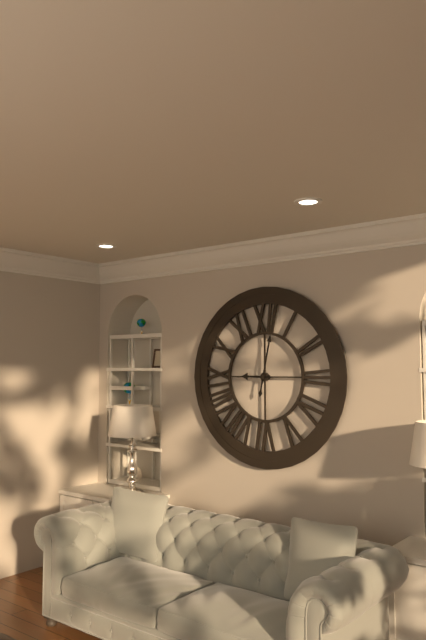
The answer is 9:02
